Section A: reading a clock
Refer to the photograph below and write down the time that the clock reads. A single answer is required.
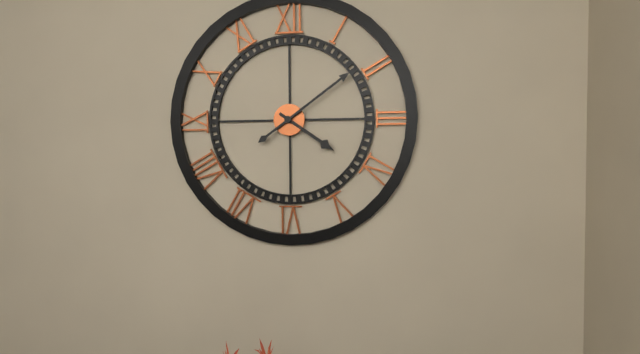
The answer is 4:09
